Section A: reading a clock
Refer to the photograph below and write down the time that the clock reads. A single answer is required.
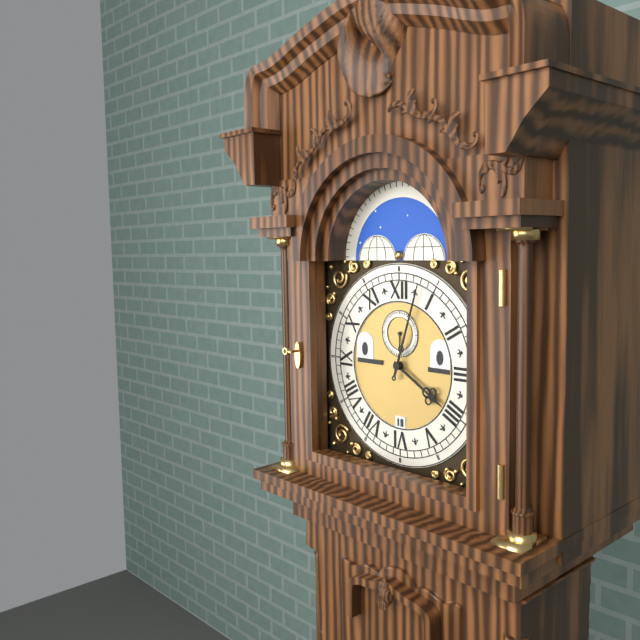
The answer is 4:03
